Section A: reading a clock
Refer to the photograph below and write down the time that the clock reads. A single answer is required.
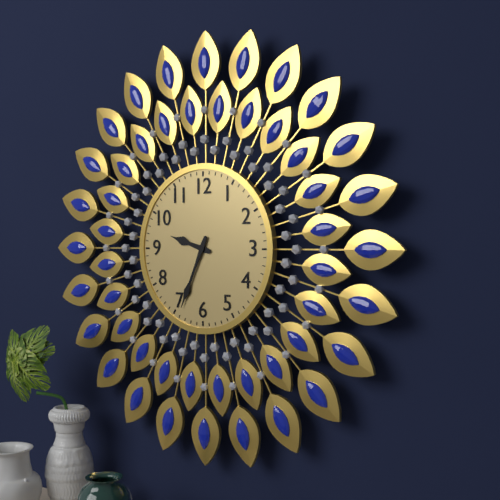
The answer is 9:34
